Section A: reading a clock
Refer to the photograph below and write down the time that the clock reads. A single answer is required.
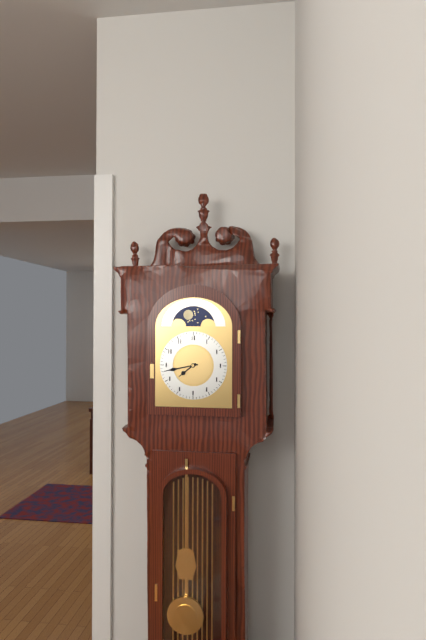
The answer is 7:43
